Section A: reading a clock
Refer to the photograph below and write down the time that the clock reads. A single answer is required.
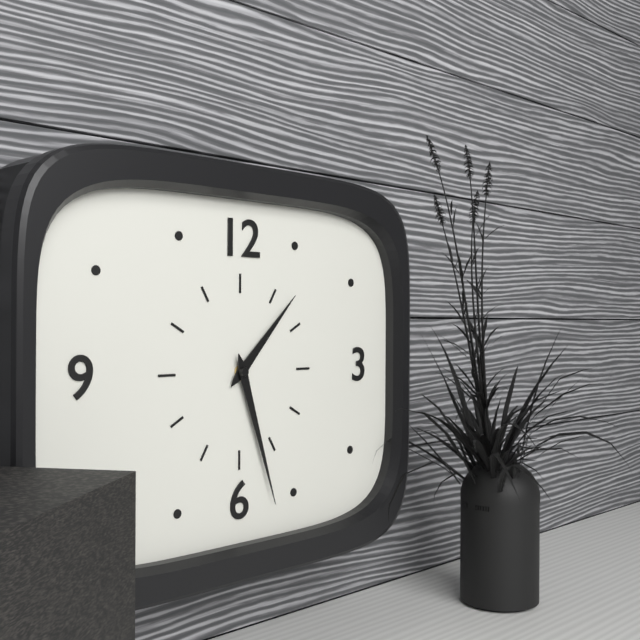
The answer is 1:27
